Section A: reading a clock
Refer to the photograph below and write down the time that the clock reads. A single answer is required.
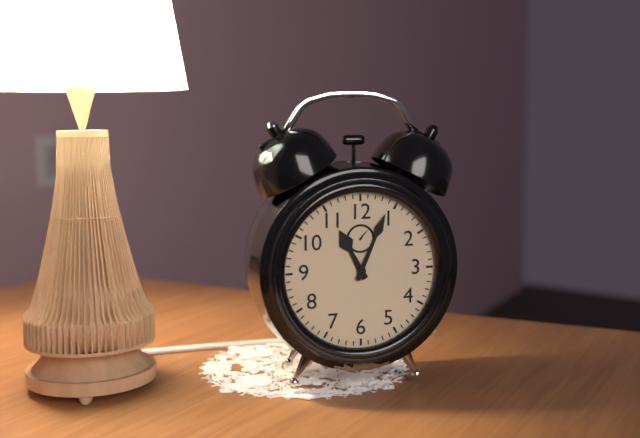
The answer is 11:04
